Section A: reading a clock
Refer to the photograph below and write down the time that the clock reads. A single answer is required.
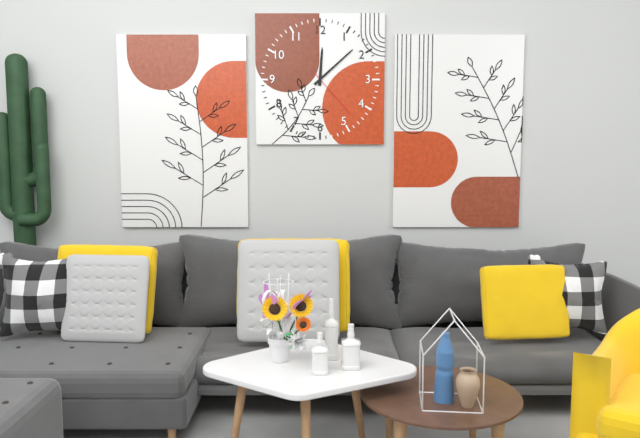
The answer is 12:08:23
